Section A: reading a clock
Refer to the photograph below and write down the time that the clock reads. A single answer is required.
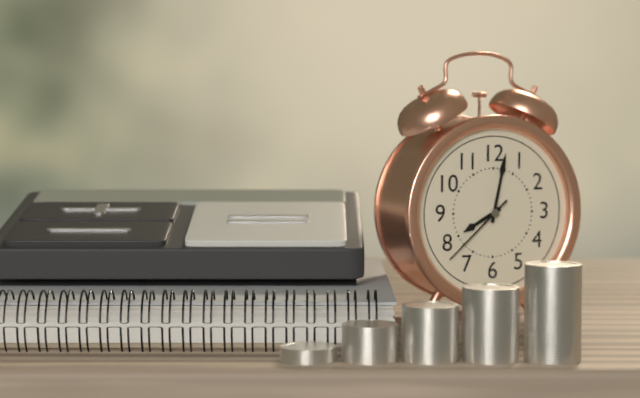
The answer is 8:02:38
